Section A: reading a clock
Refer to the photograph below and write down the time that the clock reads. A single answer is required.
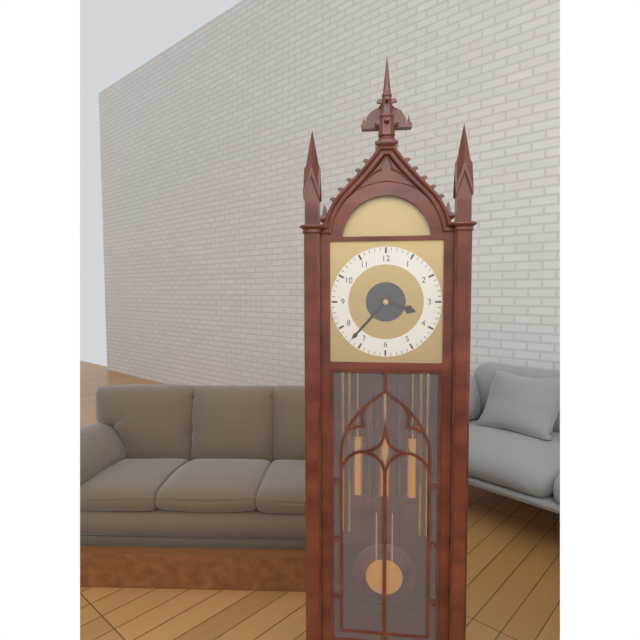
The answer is 3:37
